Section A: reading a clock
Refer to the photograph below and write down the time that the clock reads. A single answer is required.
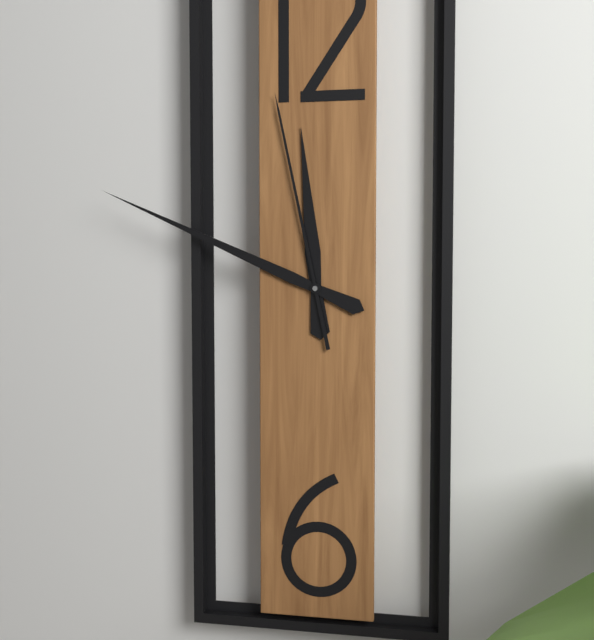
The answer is 11:49:58
